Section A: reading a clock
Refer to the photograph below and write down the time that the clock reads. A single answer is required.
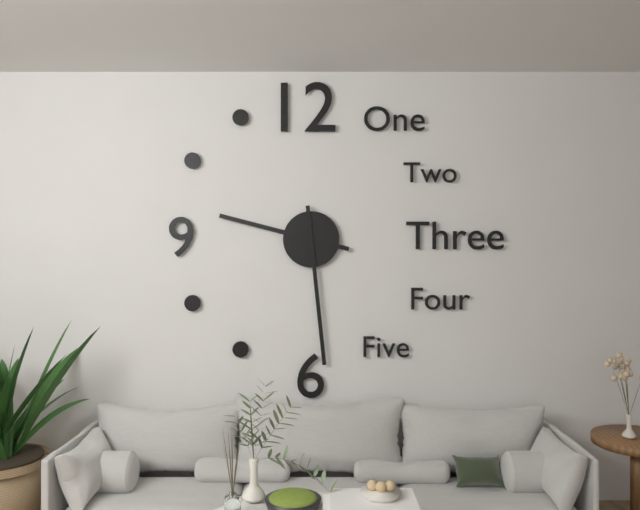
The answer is 9:29
